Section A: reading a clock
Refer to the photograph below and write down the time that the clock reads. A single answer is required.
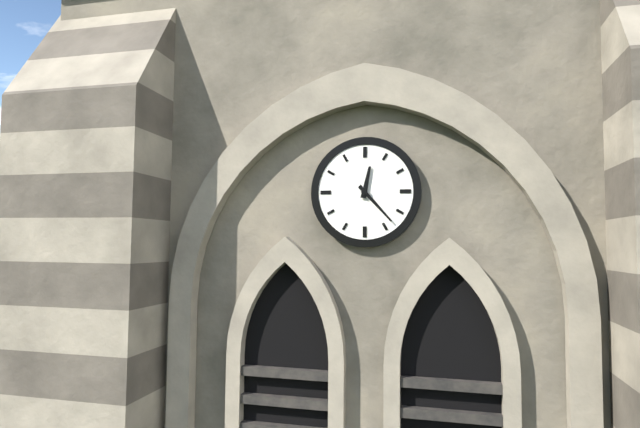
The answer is 12:23
